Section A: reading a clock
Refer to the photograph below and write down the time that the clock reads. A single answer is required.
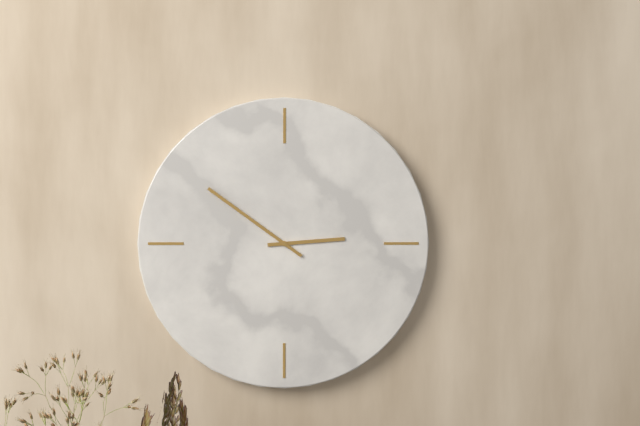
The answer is 2:51
